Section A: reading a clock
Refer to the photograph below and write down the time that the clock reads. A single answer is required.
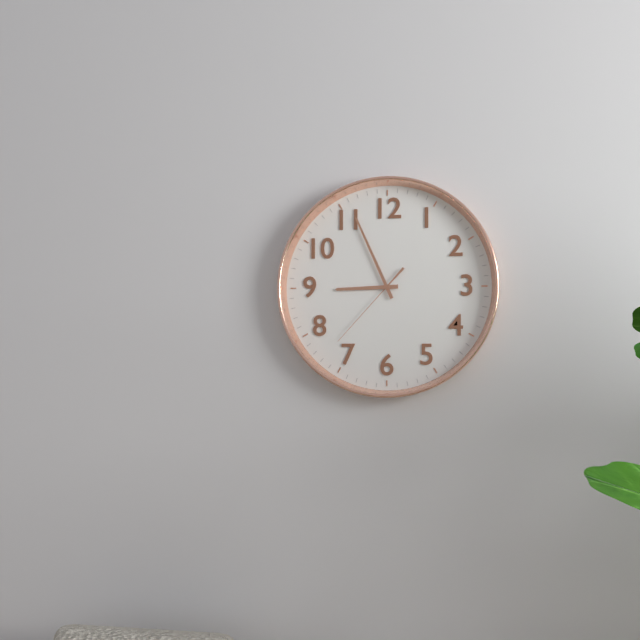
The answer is 8:56:37
